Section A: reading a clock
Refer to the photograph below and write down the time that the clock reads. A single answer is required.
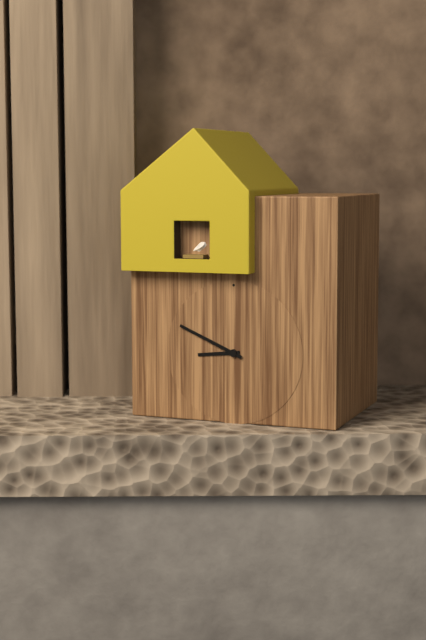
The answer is 8:49
